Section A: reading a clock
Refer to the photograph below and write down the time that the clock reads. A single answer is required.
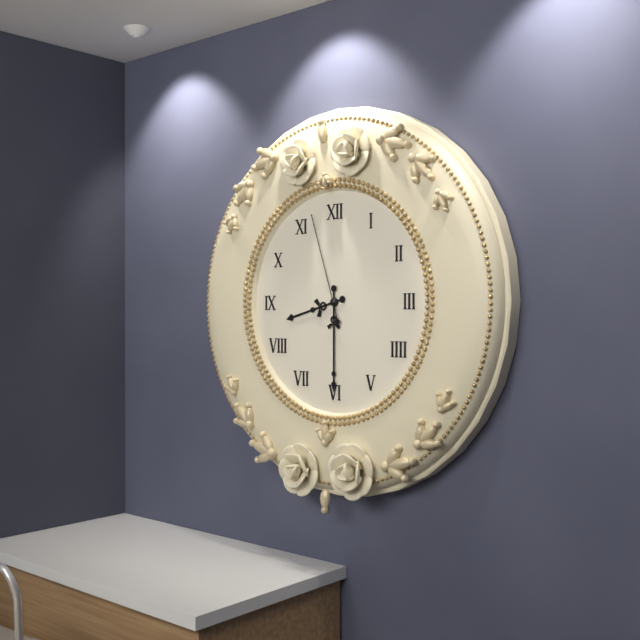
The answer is 8:30:57
